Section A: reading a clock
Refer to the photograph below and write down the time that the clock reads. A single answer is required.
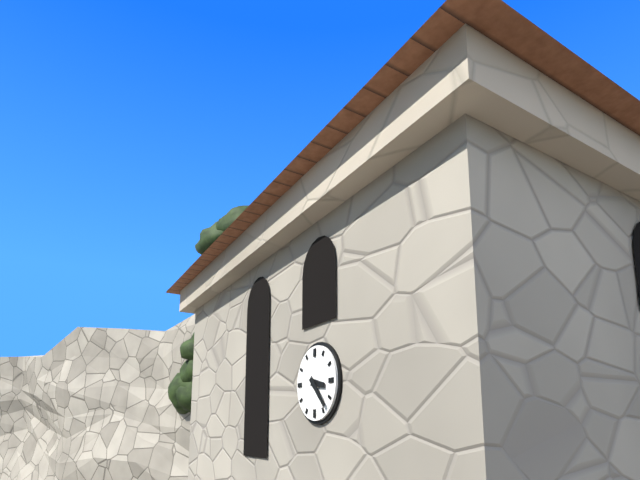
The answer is 3:23
